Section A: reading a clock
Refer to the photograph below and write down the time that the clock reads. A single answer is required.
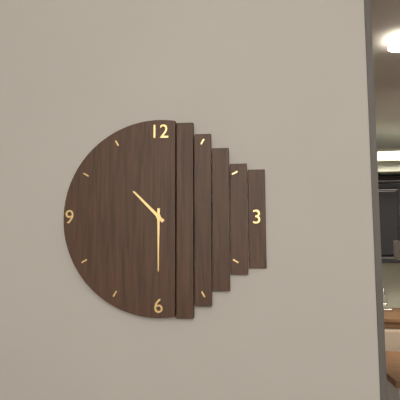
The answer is 10:30
